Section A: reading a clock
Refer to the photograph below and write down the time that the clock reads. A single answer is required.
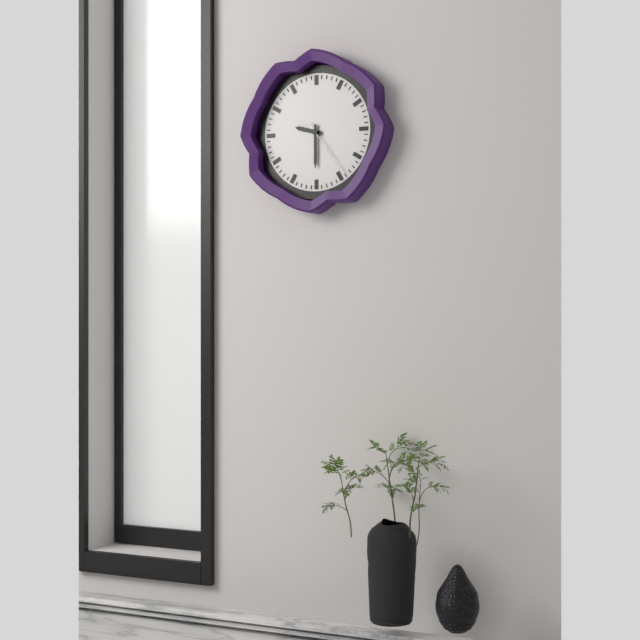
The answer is 9:30:24
